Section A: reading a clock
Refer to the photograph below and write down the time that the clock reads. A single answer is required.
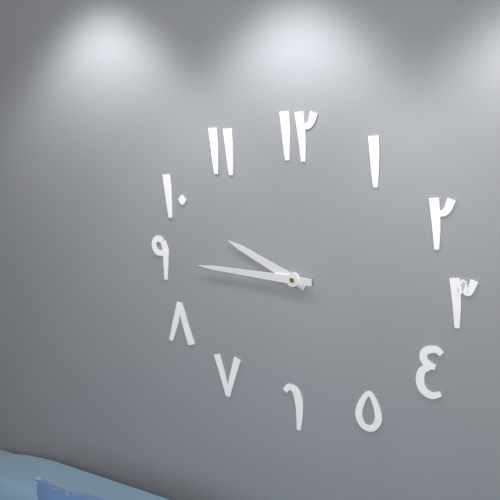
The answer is 9:45
